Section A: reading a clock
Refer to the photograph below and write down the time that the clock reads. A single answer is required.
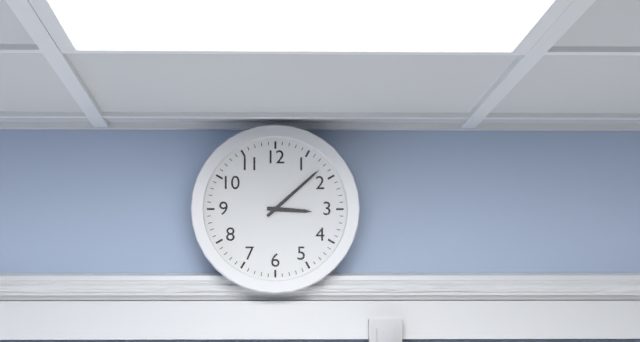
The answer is 3:08
